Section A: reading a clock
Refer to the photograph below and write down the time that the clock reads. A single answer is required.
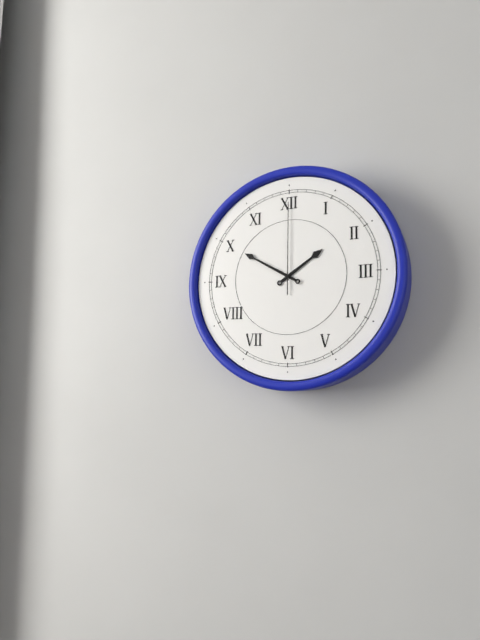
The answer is 1:50:00
